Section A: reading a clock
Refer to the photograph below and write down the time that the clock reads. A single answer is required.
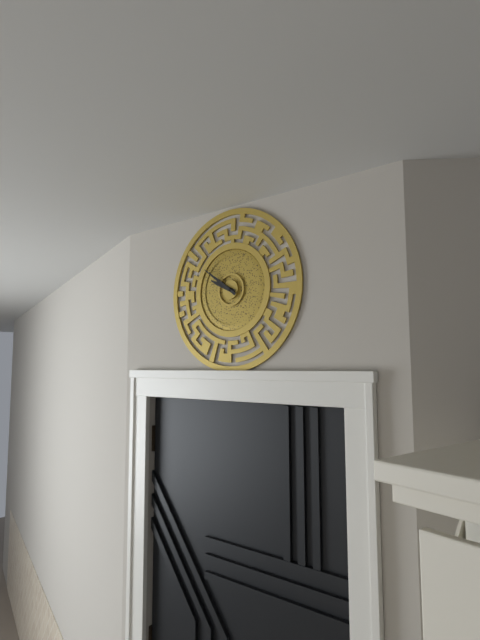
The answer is 9:51
